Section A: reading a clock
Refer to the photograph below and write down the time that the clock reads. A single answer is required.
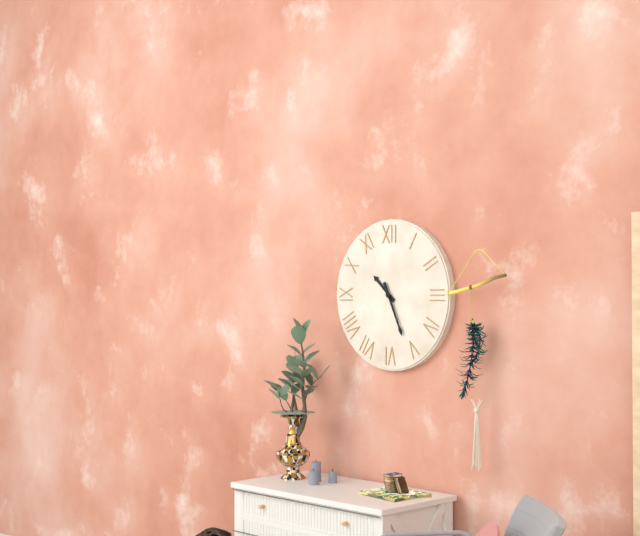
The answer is 10:26
